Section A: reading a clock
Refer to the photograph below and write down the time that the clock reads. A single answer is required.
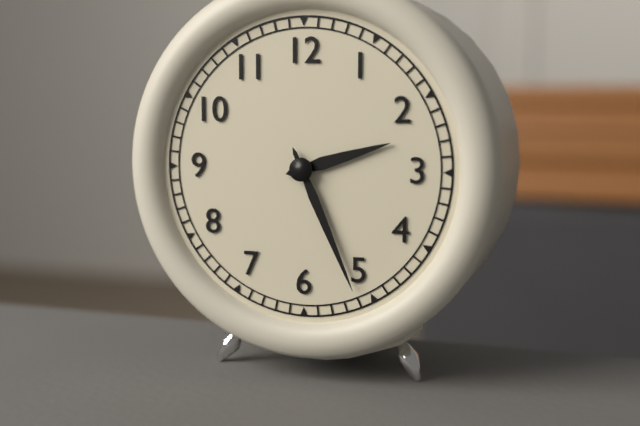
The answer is 2:26
